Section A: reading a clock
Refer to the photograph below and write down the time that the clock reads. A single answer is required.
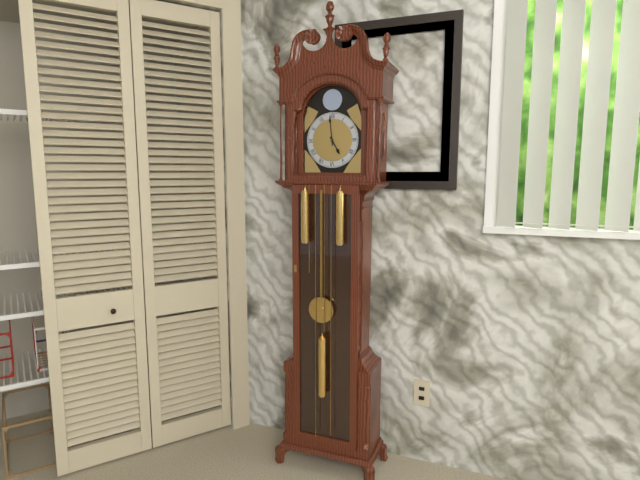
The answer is 4:59
